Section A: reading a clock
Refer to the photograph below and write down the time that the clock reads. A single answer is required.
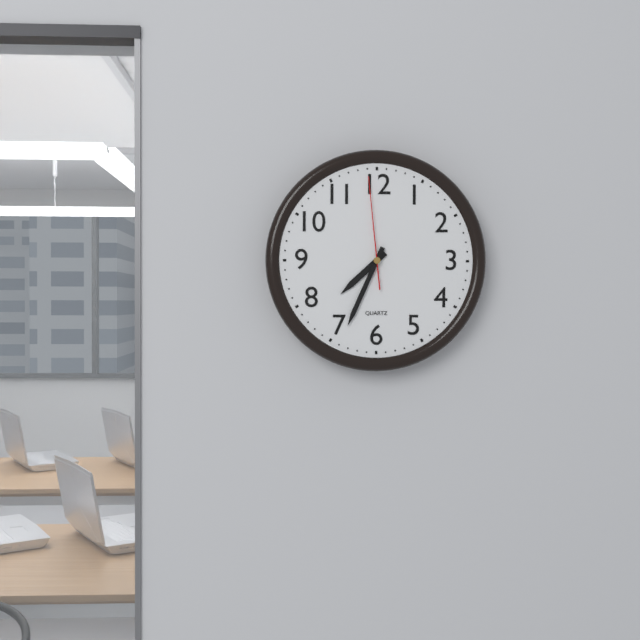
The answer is 7:34:59
